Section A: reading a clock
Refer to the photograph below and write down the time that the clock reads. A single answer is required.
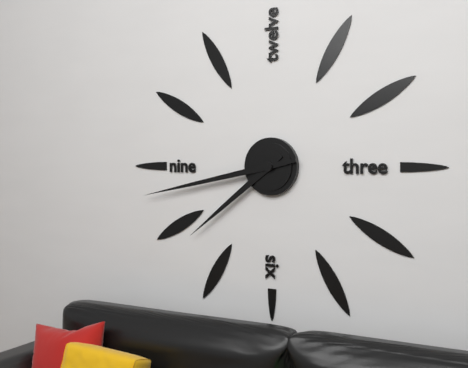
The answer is 7:43
